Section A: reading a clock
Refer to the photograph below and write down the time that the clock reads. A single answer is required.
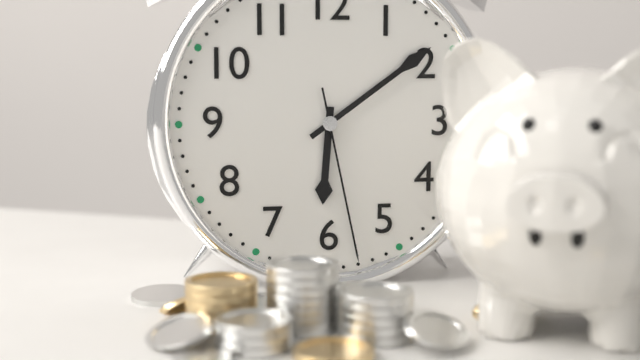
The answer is 6:09:28
